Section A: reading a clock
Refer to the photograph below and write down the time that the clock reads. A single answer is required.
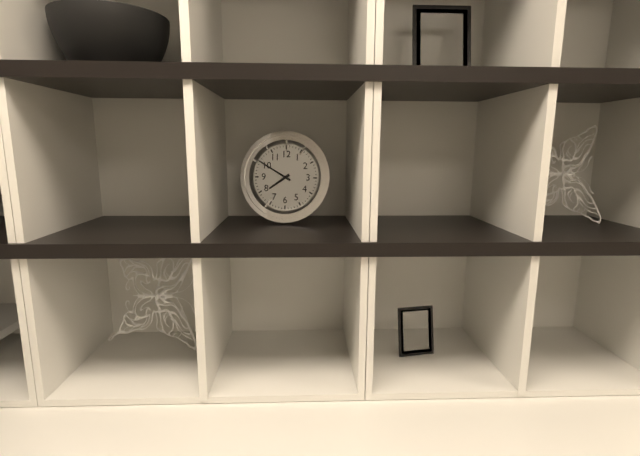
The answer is 7:50
